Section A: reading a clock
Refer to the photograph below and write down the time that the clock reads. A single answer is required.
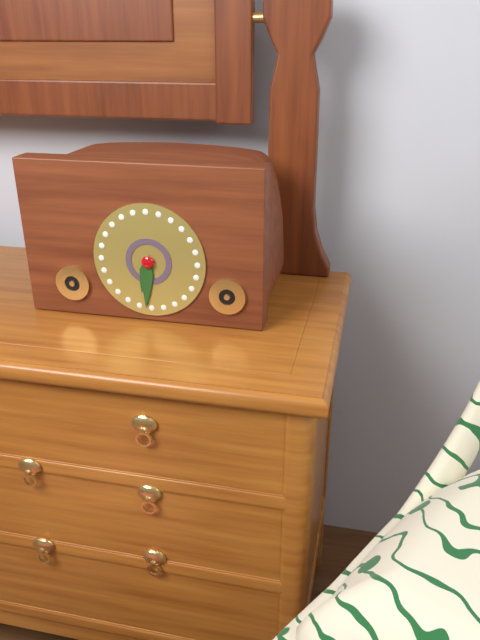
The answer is 6:31
